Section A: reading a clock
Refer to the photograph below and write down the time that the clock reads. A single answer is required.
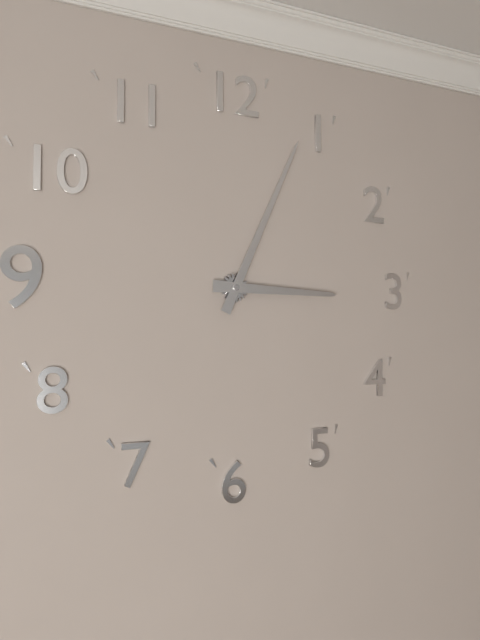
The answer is 3:04
